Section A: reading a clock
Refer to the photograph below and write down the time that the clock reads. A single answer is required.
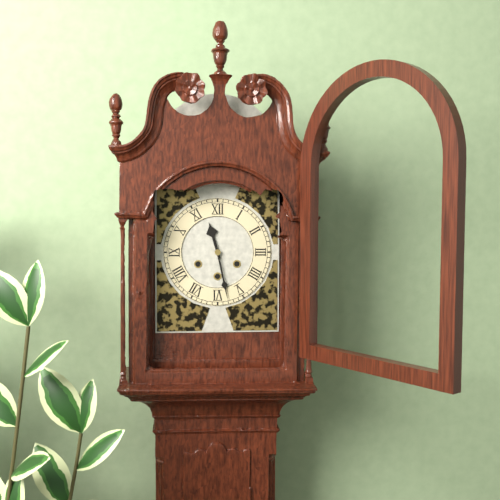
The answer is 11:28
